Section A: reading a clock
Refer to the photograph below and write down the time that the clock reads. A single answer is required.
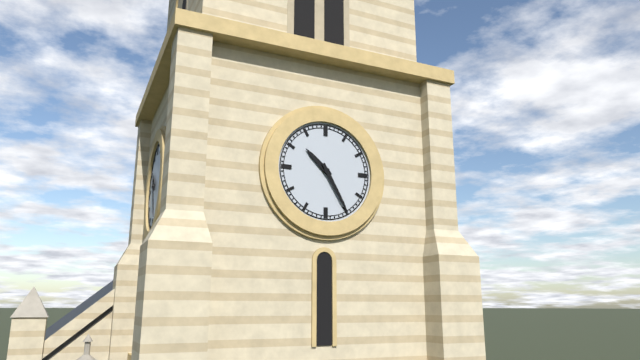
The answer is 10:25
